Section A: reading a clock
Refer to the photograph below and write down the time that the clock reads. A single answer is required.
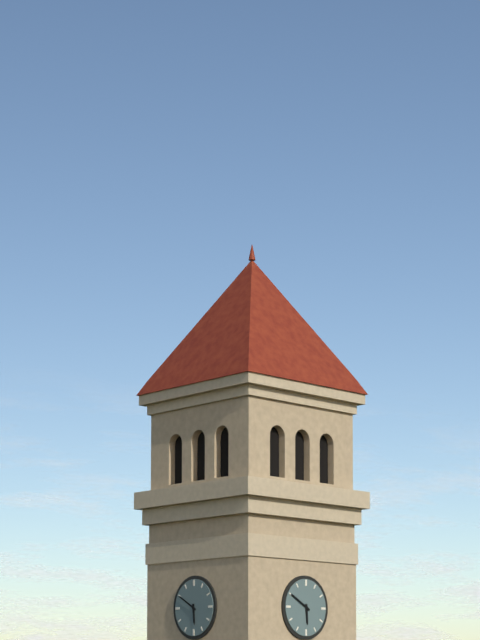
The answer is 5:50
